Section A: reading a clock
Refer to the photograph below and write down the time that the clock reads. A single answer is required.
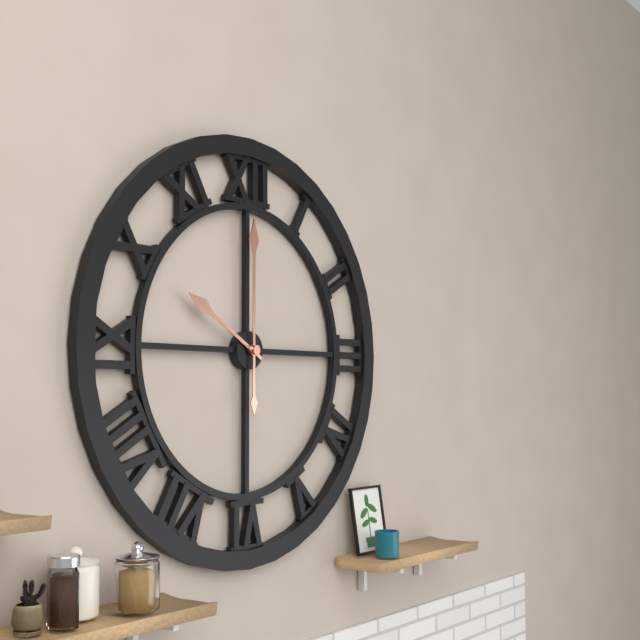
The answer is 10:00
